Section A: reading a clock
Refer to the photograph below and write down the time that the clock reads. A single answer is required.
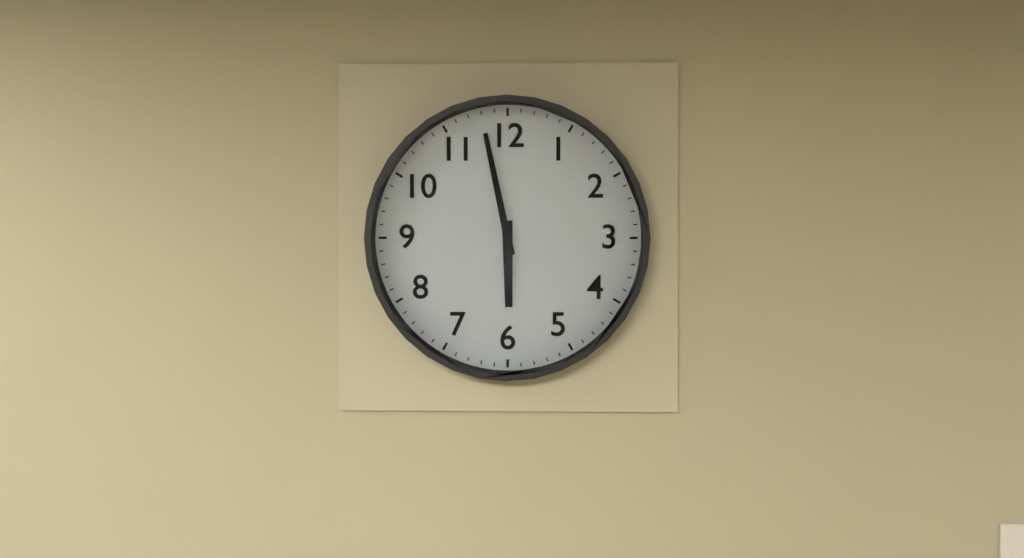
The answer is 5:58
